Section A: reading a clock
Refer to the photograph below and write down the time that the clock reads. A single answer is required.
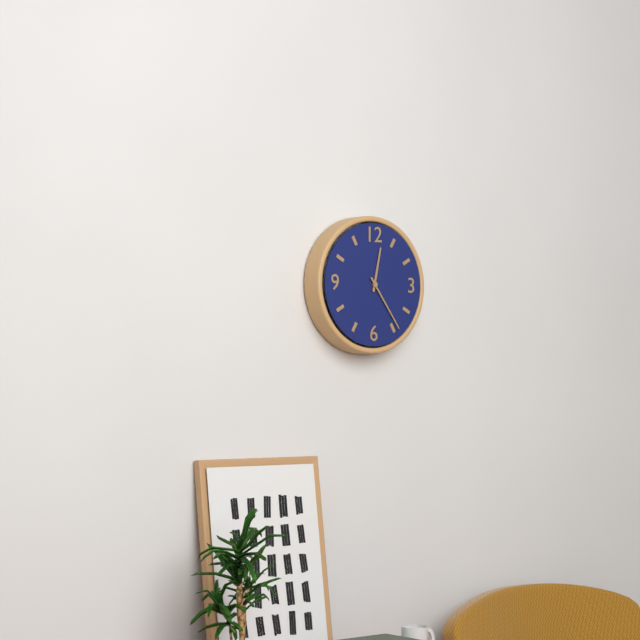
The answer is 12:24
